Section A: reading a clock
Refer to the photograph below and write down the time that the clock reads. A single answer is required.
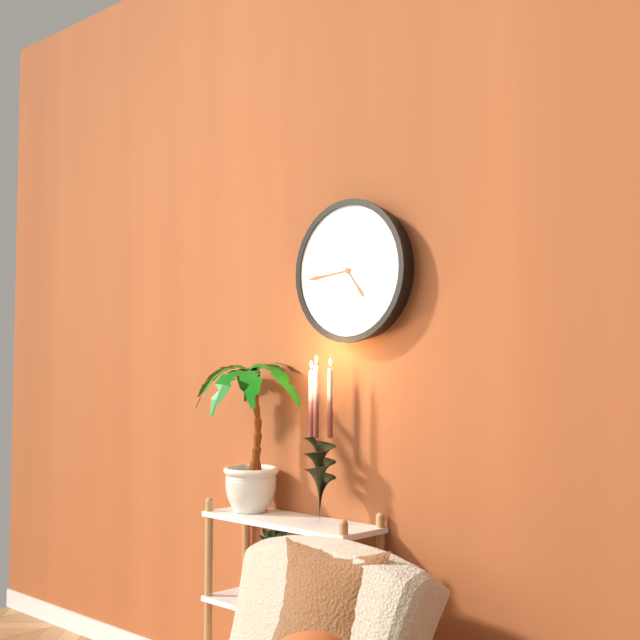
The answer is 4:44
